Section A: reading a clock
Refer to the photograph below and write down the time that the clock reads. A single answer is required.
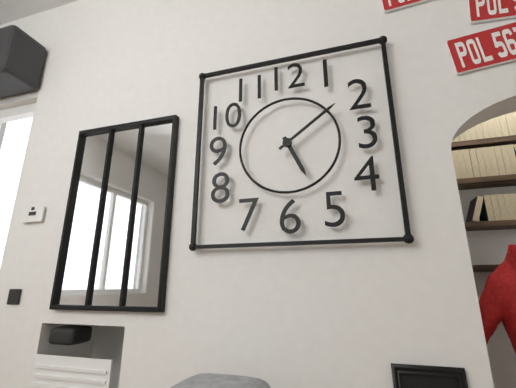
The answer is 5:09
